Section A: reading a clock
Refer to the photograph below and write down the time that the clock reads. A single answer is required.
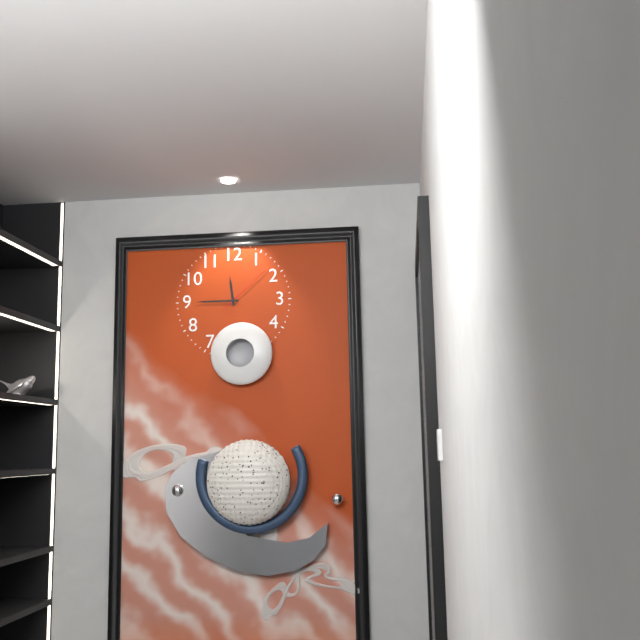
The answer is 11:45:08
